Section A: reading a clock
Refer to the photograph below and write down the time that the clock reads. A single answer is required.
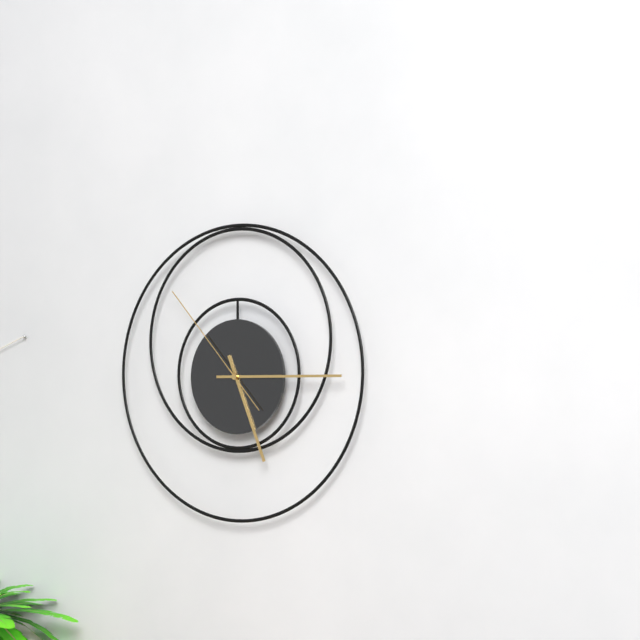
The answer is 5:15:53
